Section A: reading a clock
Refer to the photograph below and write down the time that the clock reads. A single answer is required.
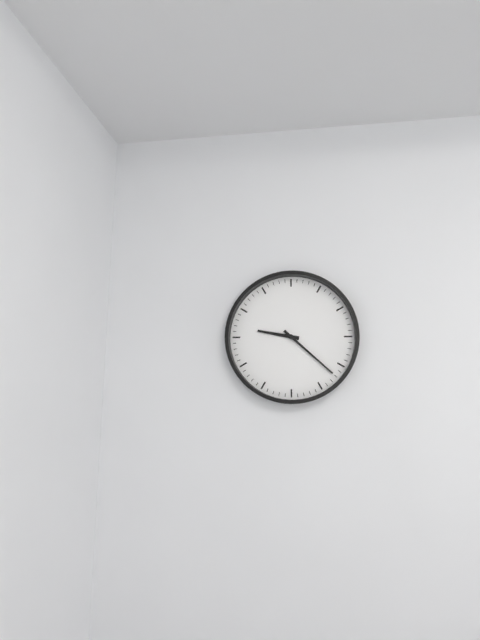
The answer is 9:22
